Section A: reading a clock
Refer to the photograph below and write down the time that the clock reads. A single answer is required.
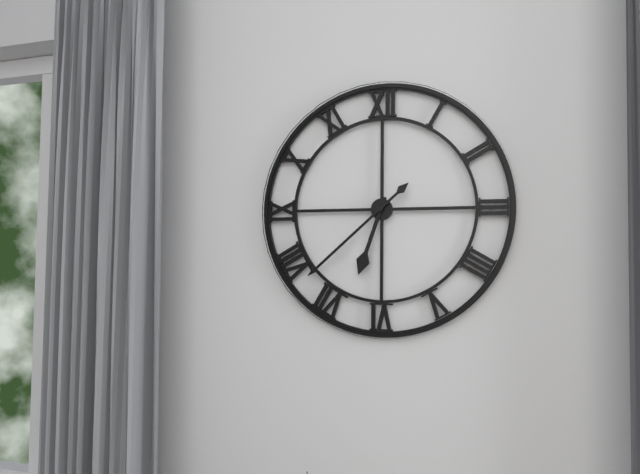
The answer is 6:38
